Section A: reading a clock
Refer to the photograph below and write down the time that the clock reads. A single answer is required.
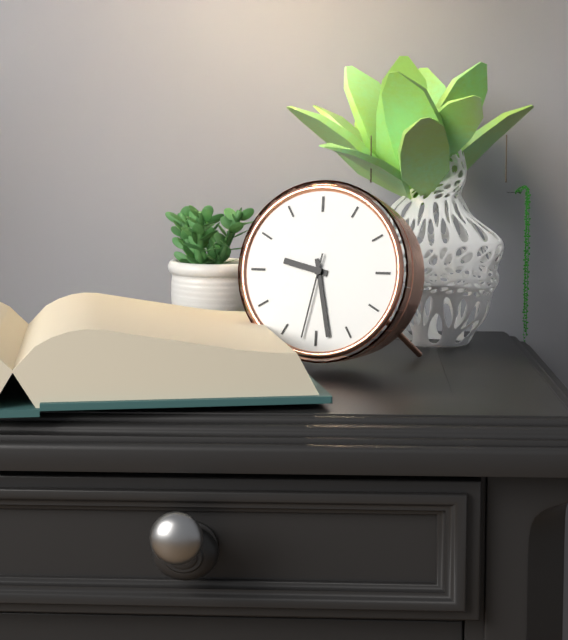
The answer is 9:28:32
